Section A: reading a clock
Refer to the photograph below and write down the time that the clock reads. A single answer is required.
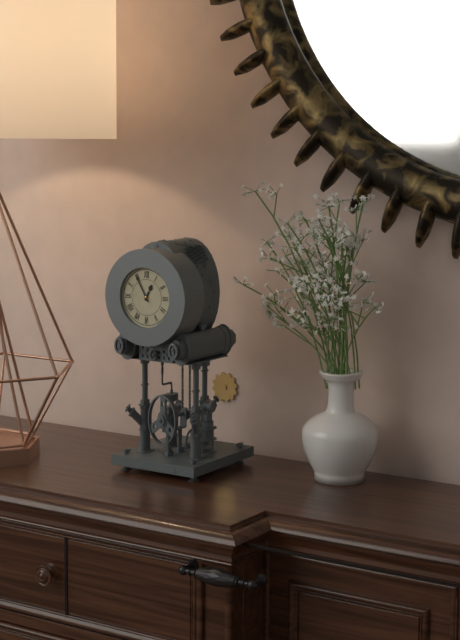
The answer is 12:55
